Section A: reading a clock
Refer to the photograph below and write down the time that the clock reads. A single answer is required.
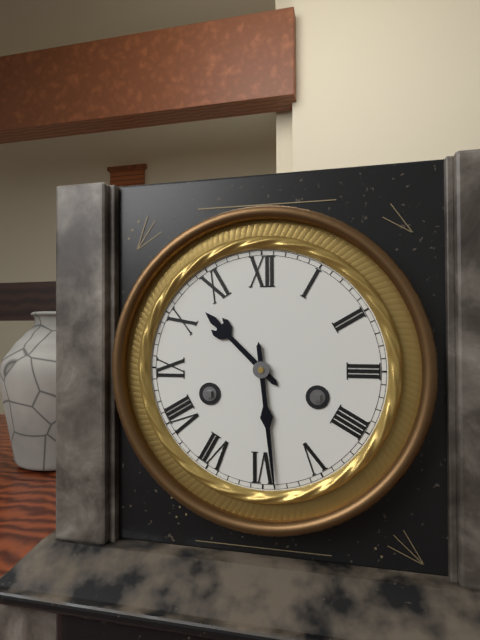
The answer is 10:29
